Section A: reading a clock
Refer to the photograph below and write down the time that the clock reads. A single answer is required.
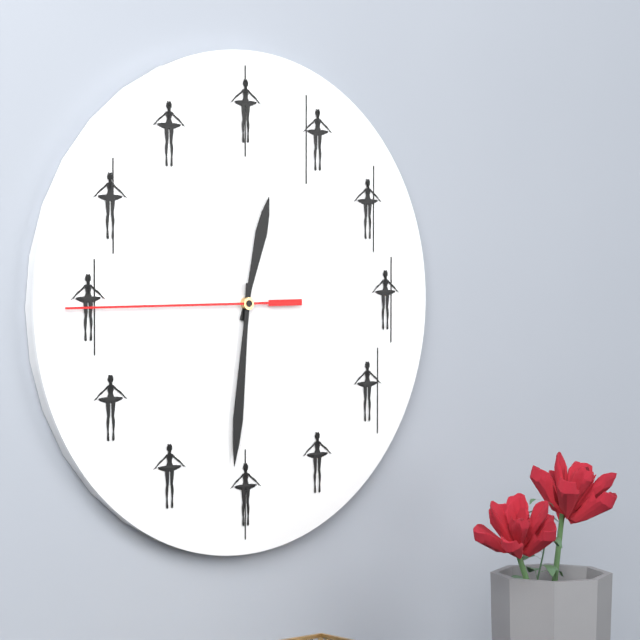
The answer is 12:31:45
